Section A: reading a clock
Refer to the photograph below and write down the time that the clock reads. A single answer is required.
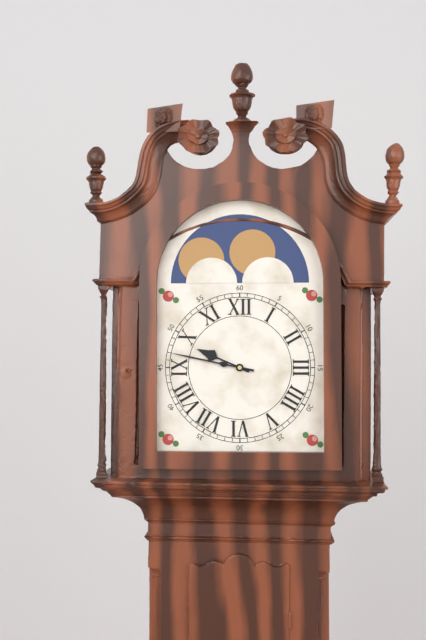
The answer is 9:47
